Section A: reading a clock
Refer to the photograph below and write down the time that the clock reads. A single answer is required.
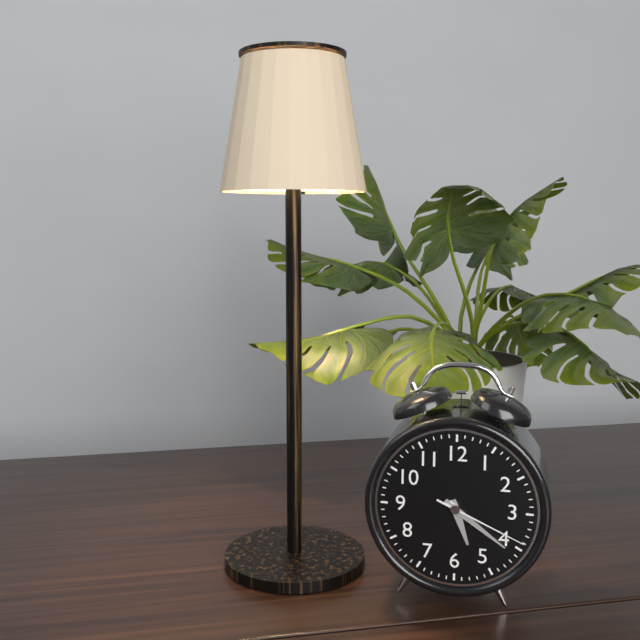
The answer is 5:21:19
